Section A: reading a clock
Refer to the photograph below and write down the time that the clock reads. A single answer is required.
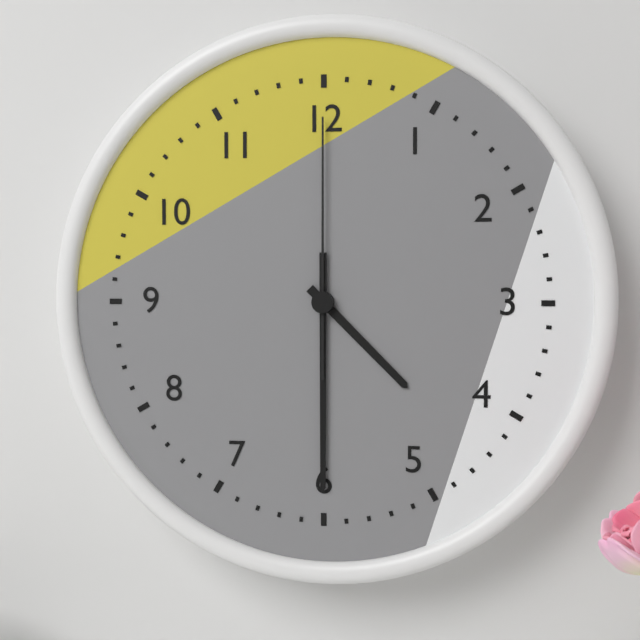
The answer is 4:30:00
